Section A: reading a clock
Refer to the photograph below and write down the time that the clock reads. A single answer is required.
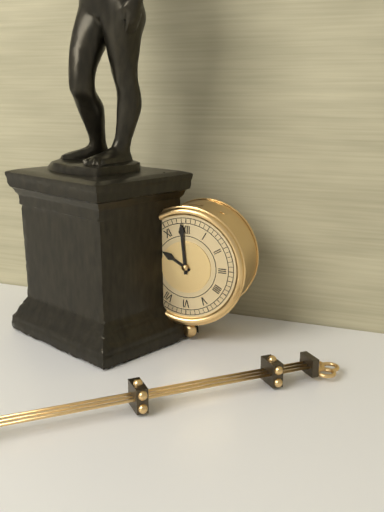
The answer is 9:59
